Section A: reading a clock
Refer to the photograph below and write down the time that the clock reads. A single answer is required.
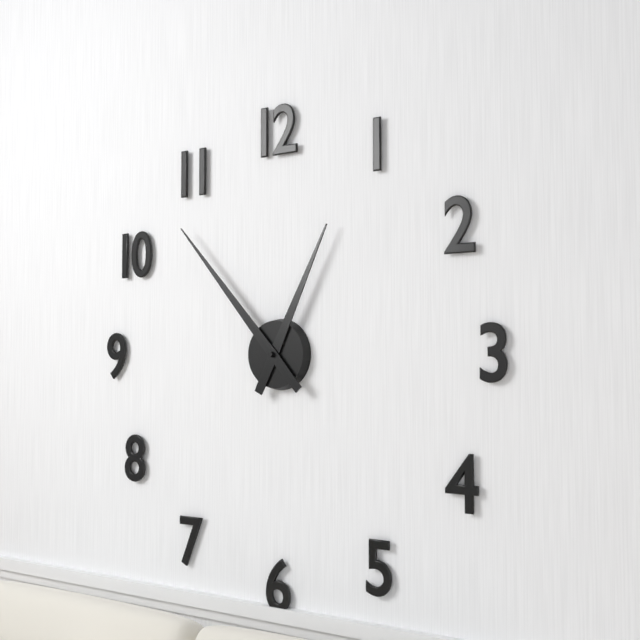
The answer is 12:53
